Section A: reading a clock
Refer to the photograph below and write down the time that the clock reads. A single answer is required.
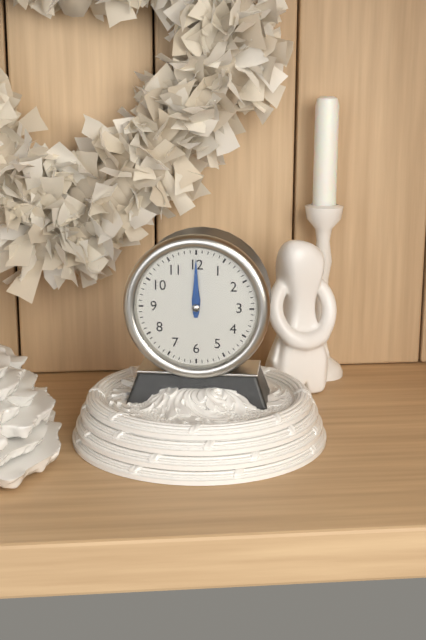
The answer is 12:00
